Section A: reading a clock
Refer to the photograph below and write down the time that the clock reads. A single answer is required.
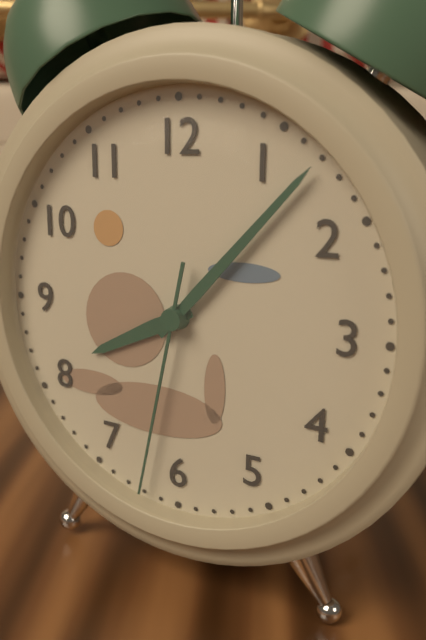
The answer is 8:07:32
